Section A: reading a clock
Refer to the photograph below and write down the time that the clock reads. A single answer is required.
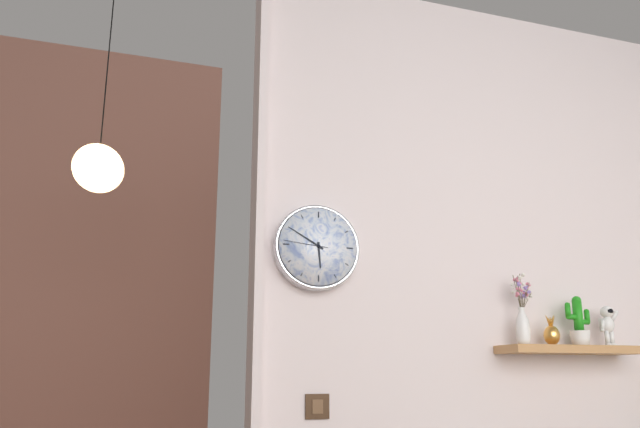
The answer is 5:50
